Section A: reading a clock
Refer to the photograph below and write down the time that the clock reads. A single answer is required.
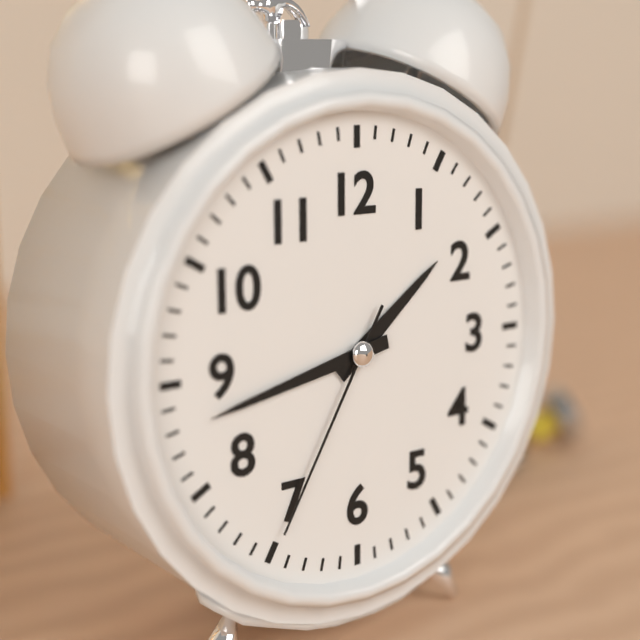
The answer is 1:43:35
